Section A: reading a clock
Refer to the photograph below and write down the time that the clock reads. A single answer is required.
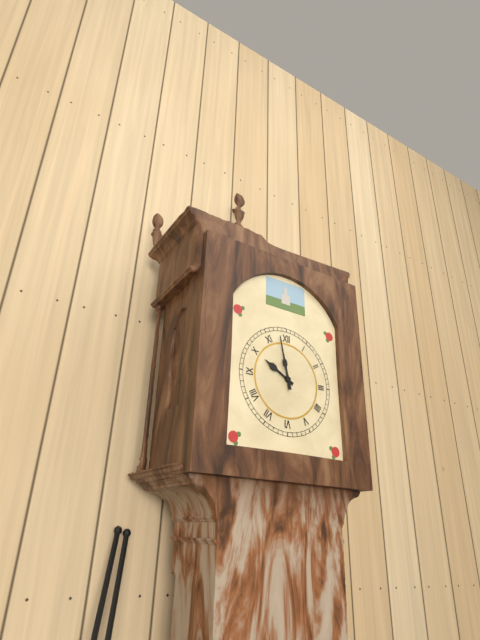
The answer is 9:58
